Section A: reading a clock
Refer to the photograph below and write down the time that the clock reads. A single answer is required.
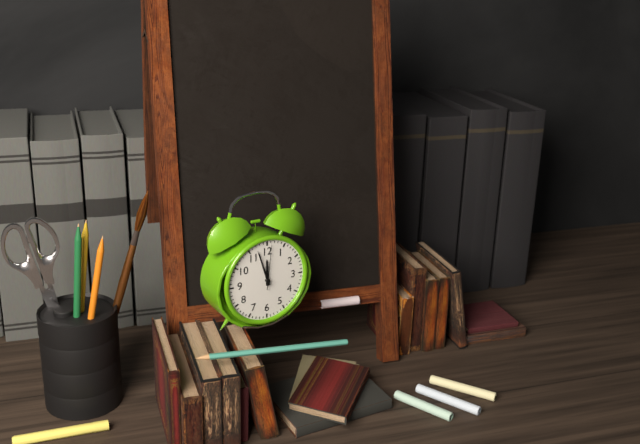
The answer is 11:57
